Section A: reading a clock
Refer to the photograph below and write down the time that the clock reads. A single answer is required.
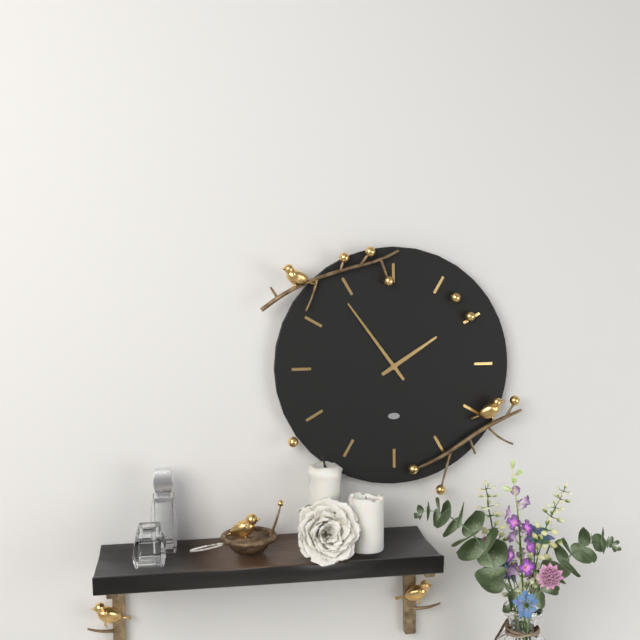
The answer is 1:54
